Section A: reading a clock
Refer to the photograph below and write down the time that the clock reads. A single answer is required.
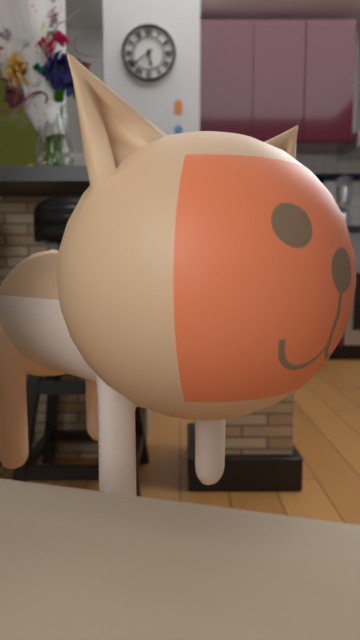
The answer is 5:39
